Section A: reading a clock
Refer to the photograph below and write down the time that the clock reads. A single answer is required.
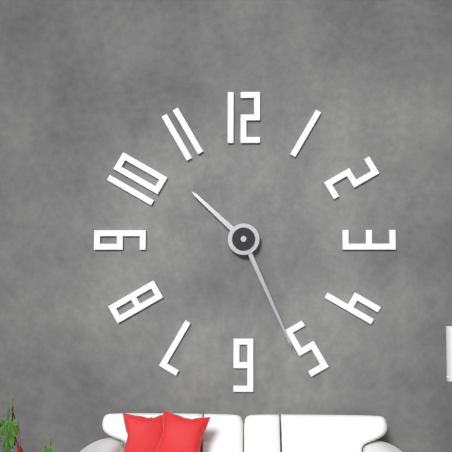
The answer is 10:26
